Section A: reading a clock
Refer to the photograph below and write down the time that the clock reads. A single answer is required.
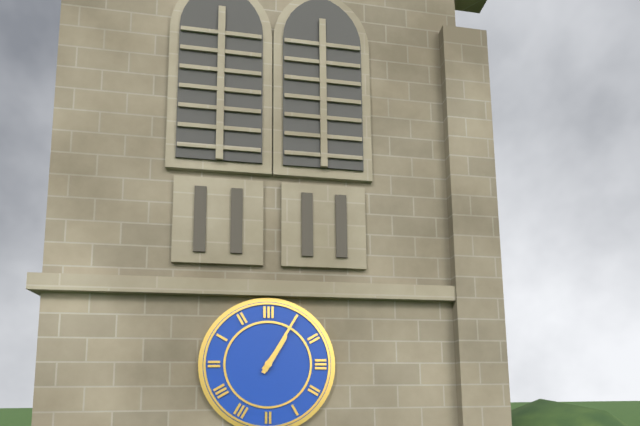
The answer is 1:05
